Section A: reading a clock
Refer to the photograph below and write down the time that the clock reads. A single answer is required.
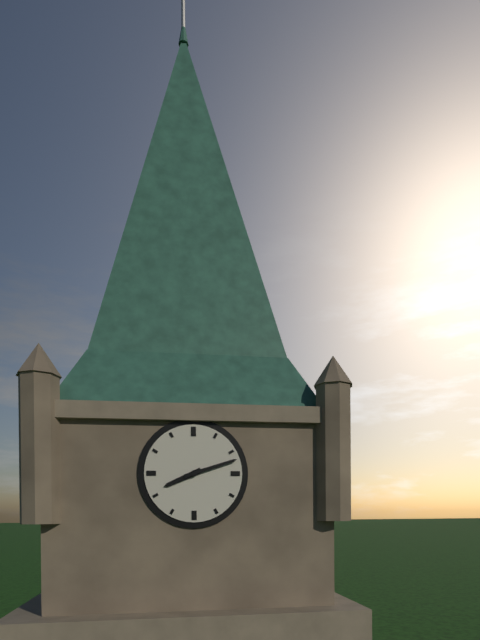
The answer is 8:12
